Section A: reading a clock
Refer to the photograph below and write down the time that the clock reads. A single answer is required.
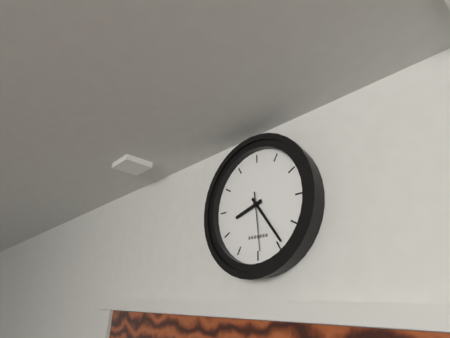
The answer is 8:24:29
